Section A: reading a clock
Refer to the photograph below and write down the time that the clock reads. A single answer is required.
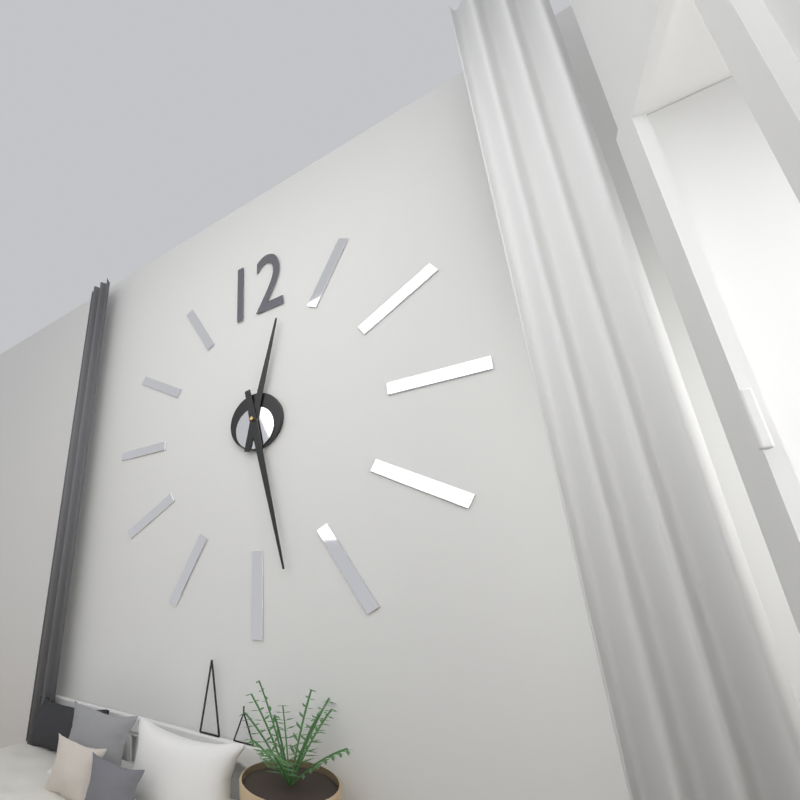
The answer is 12:28
